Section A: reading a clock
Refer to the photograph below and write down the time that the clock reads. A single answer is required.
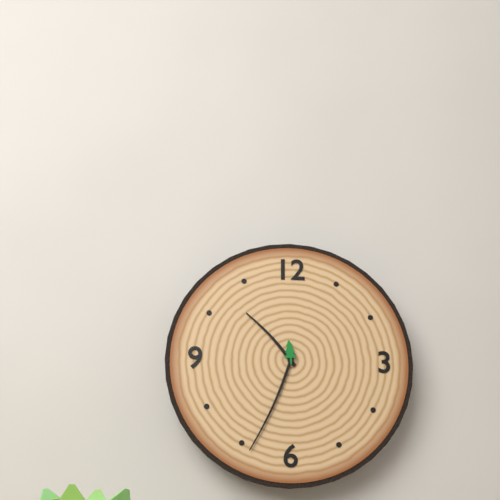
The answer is 10:34
